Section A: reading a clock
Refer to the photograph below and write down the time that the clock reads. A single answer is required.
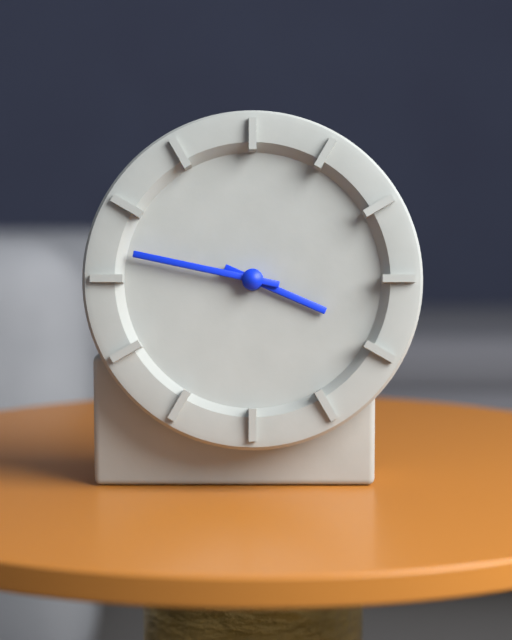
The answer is 3:47
